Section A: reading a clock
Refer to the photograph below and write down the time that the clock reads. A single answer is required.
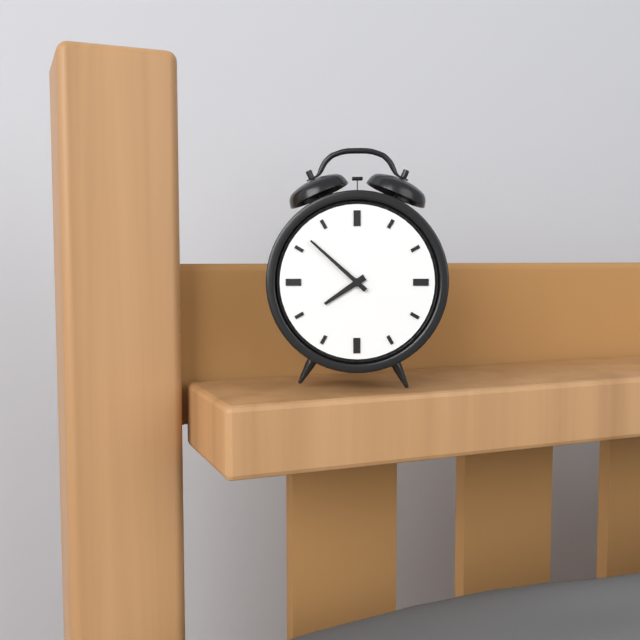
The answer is 7:52
